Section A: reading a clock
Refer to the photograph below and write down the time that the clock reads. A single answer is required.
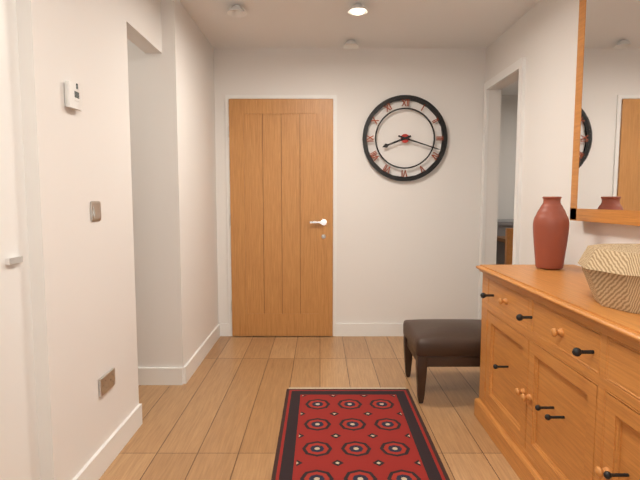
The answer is 8:18
